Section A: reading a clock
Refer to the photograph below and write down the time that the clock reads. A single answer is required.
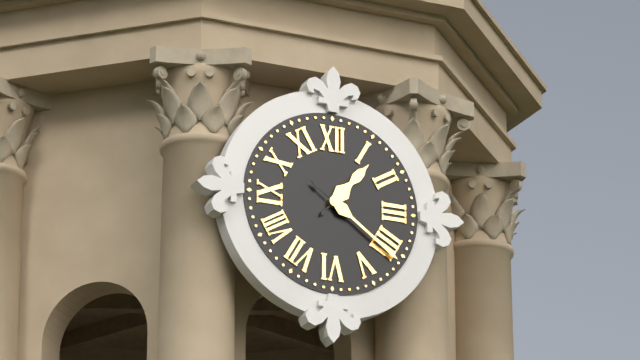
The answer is 1:21
